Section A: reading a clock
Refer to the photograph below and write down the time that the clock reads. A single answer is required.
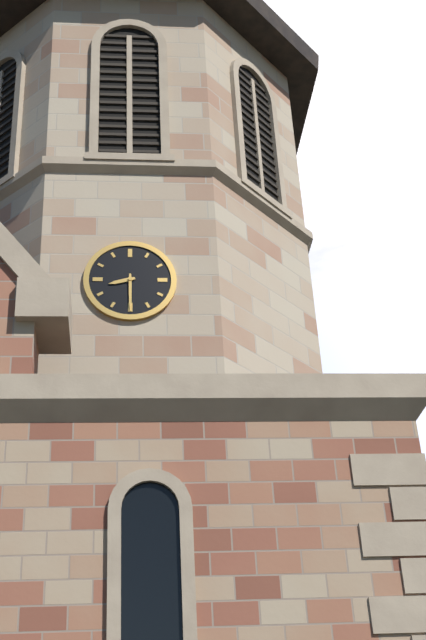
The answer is 8:30
